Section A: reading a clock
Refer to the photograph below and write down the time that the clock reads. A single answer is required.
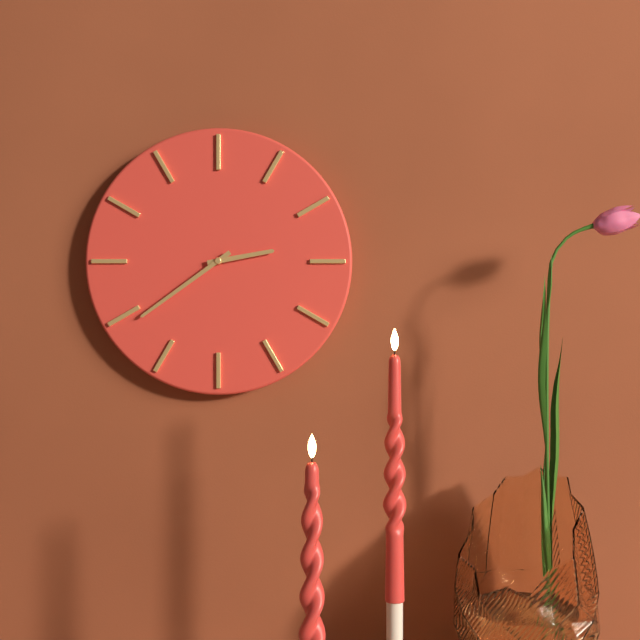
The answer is 2:39
